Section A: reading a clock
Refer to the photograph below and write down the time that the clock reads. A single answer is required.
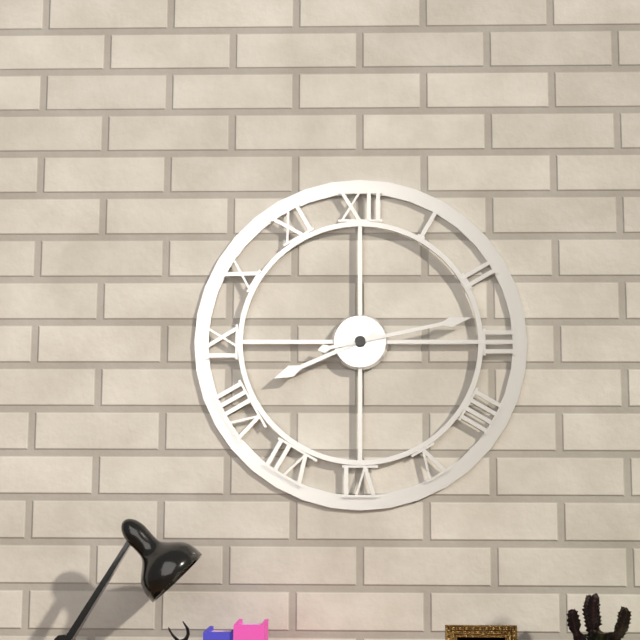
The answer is 8:13
